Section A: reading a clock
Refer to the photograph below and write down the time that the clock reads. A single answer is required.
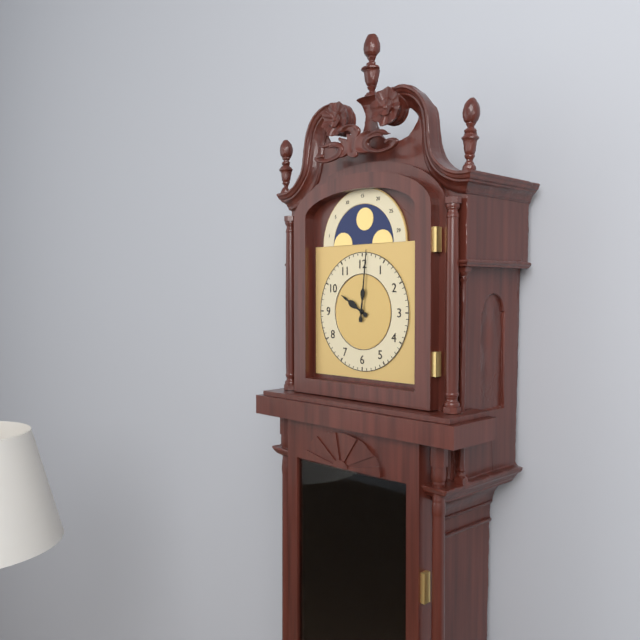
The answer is 10:01
